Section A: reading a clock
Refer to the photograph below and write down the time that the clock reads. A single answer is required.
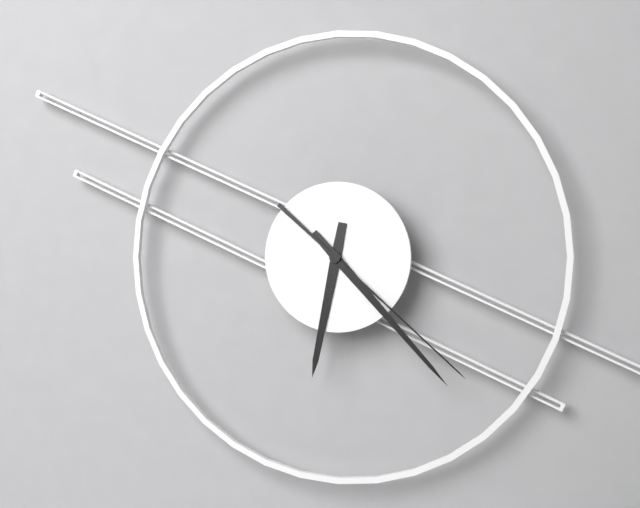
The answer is 6:23:22
